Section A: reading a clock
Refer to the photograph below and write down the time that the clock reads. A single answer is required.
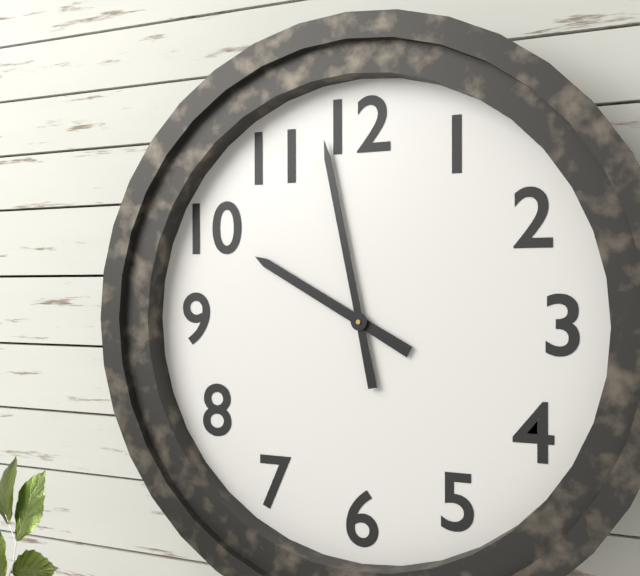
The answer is 9:58
